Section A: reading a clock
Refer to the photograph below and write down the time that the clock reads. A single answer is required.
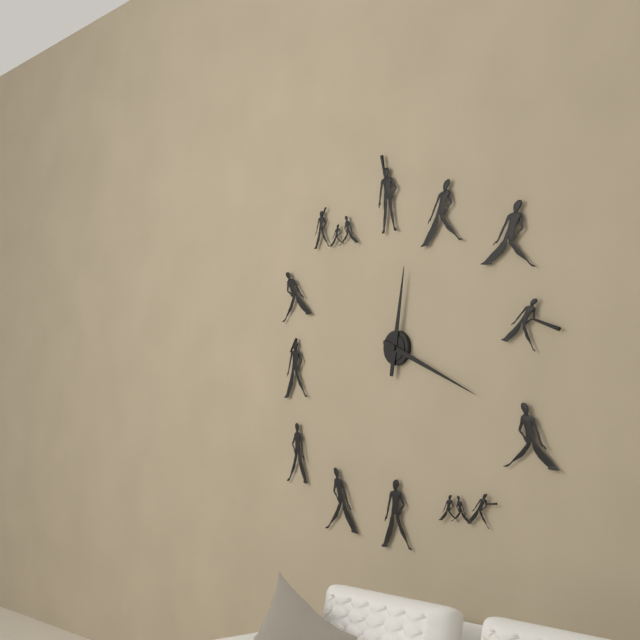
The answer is 12:19
